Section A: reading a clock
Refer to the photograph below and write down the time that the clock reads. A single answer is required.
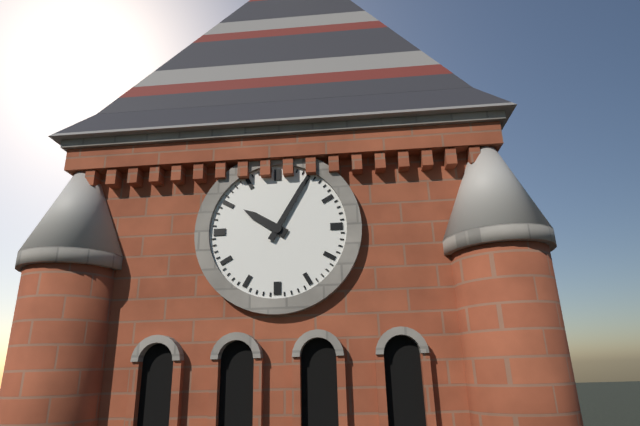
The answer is 10:05
